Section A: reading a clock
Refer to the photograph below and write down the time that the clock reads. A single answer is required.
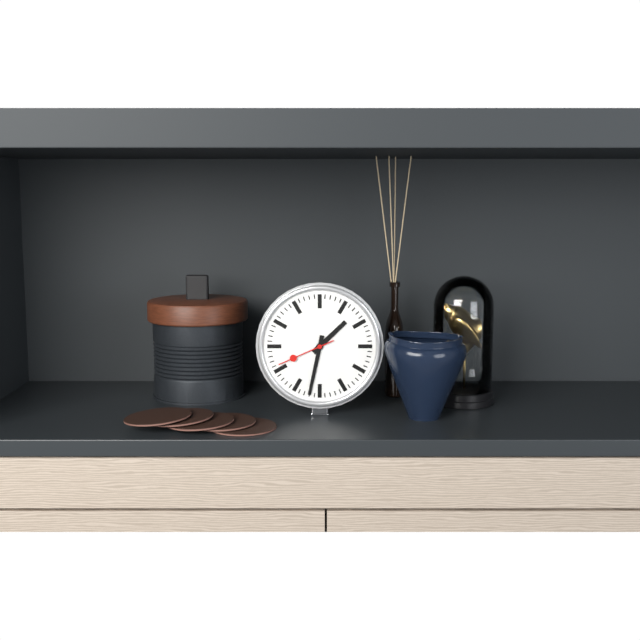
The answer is 1:32:41
